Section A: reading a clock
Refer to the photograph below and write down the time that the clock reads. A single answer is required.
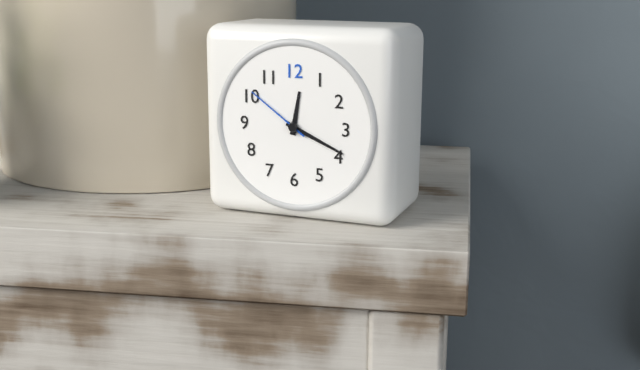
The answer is 12:19:51
